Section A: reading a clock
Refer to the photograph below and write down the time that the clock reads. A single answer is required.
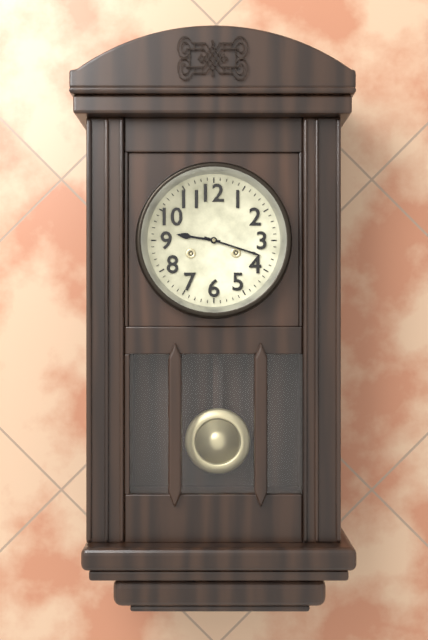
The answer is 9:18
